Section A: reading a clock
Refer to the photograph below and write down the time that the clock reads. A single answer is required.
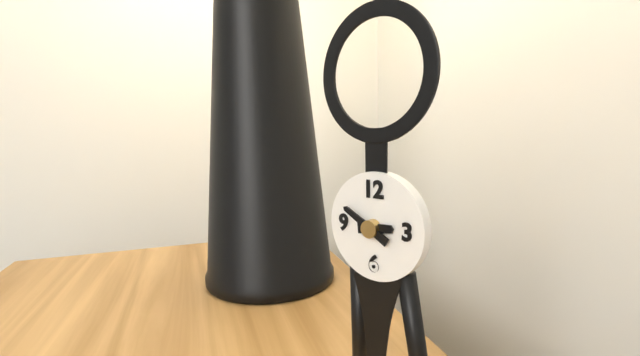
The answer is 2:50
